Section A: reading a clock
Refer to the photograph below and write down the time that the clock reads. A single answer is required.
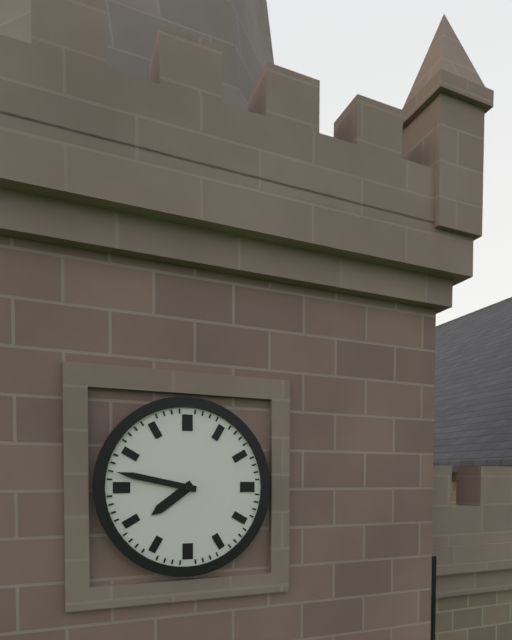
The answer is 7:47
